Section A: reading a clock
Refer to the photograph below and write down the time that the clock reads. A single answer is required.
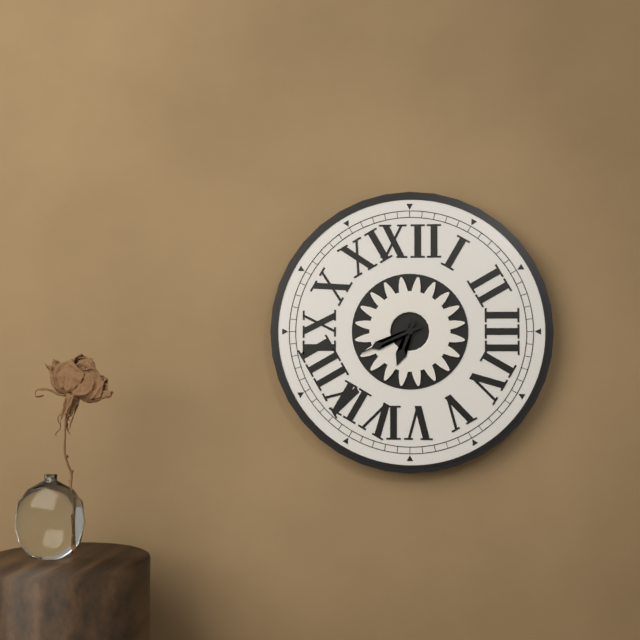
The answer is 6:41
